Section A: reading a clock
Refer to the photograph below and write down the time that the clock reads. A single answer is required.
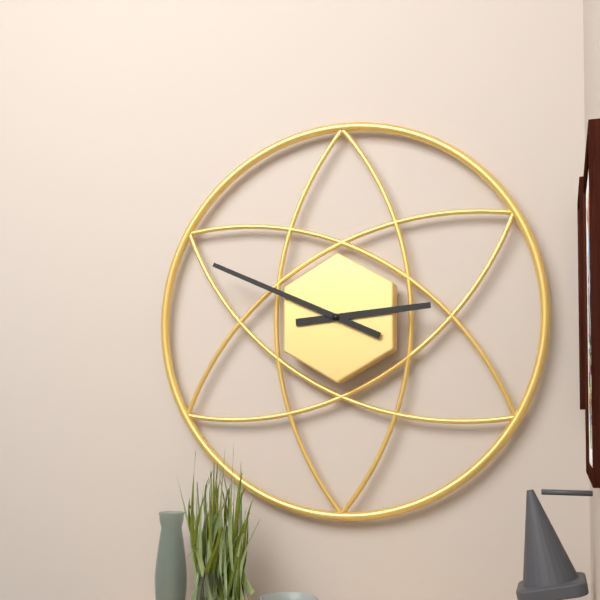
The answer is 2:49
